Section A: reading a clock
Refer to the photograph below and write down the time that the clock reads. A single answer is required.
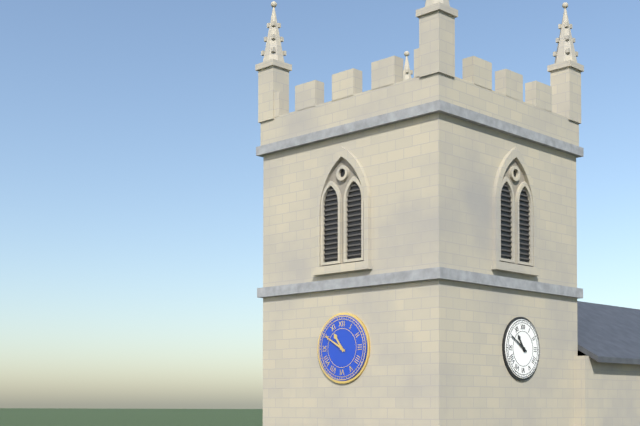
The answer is 10:50
